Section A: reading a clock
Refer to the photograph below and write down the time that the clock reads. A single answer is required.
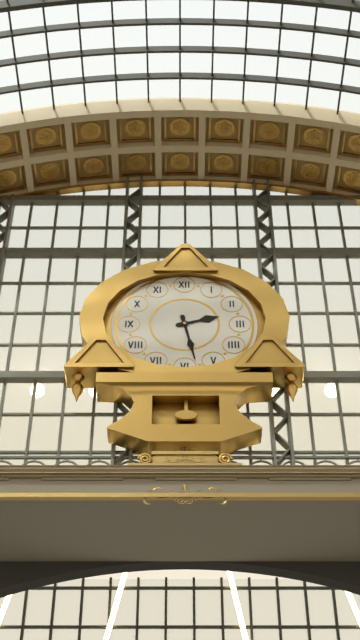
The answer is 2:28
